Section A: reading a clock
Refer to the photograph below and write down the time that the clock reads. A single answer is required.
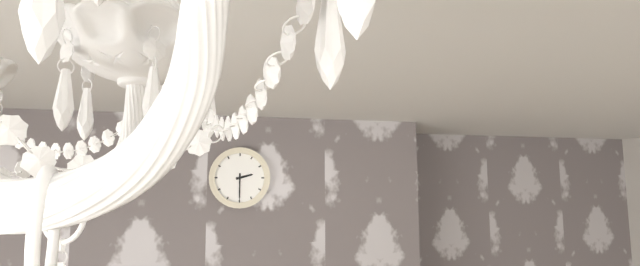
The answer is 2:30
